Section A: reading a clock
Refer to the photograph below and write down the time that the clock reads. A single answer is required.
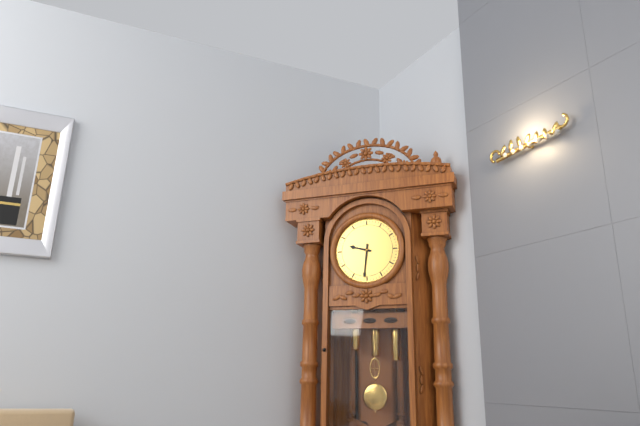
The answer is 9:31
